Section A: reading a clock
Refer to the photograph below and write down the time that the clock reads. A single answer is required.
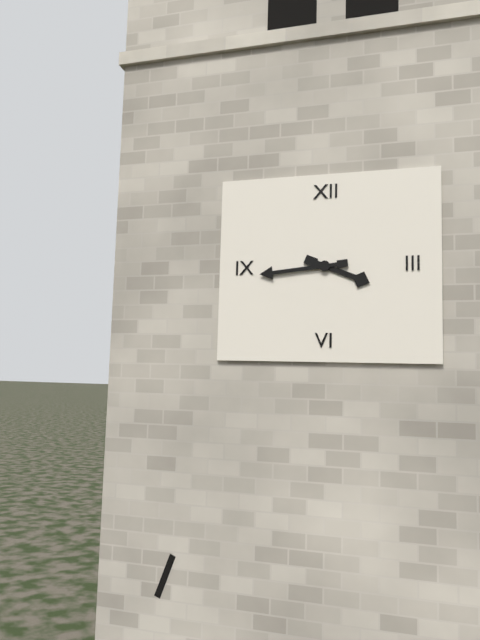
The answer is 3:44
